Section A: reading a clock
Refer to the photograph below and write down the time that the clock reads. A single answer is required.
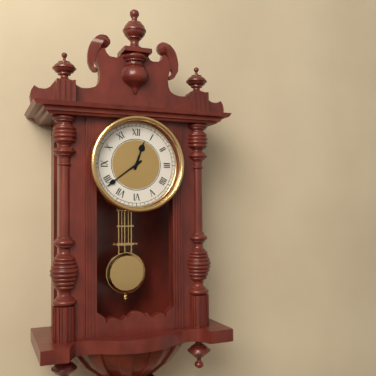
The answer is 12:39
